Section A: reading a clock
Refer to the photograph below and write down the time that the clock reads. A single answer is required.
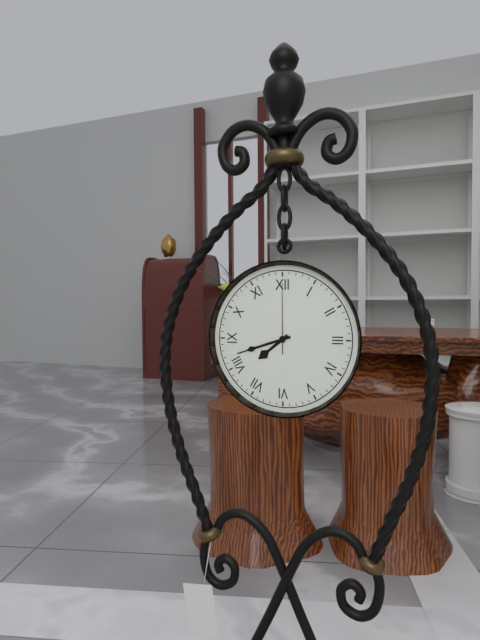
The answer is 7:42:00
